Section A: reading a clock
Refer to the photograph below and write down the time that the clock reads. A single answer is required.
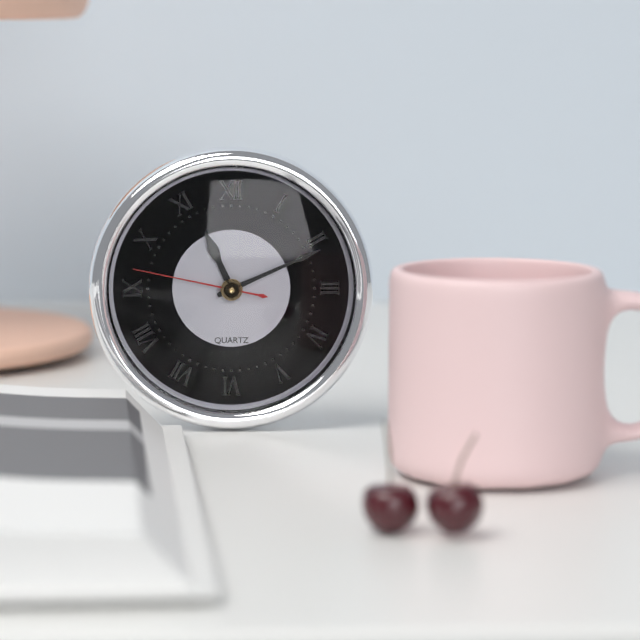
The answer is 11:11:47
